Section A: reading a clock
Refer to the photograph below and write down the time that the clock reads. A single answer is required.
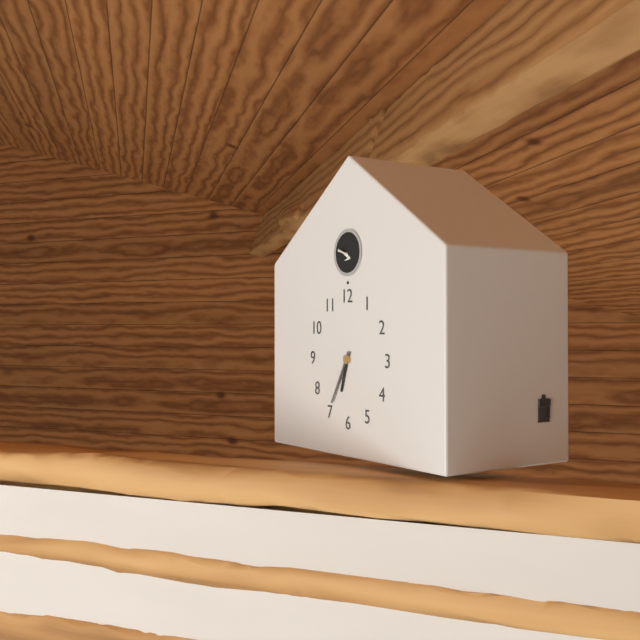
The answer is 6:35
